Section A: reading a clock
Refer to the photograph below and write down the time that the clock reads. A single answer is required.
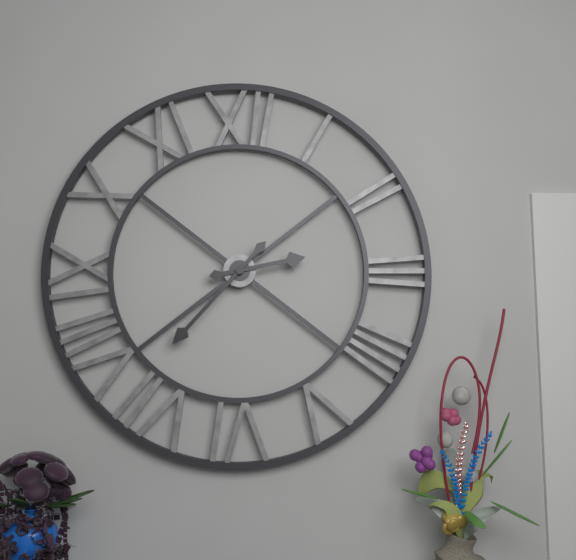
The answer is 2:37
